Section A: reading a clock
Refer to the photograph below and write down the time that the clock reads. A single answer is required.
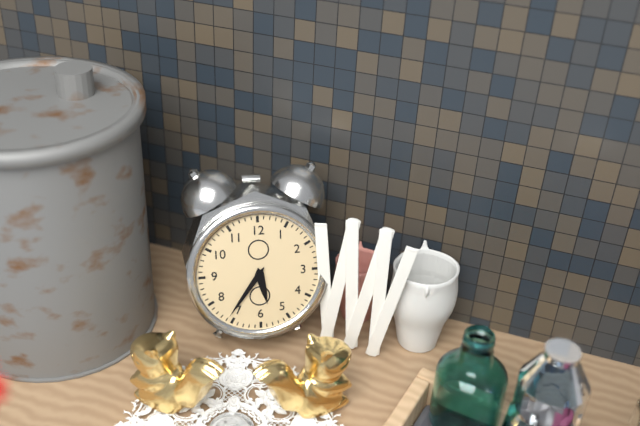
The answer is 5:36
